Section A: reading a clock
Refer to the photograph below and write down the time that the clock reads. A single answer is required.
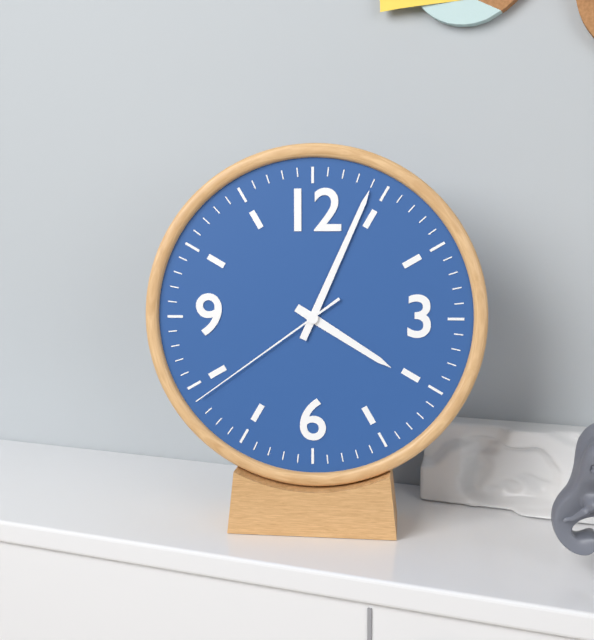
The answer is 4:04:39
